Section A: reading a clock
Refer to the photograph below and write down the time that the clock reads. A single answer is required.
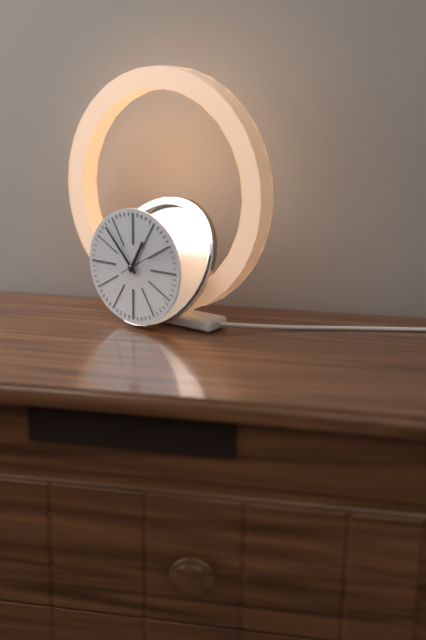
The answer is 12:53:10
